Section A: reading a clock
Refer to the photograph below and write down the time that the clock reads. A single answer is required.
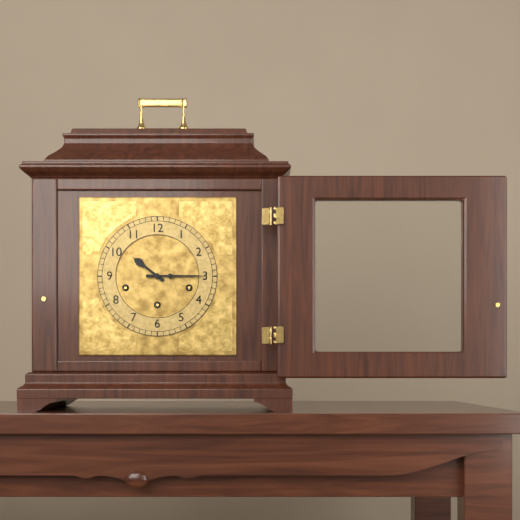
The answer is 10:15
